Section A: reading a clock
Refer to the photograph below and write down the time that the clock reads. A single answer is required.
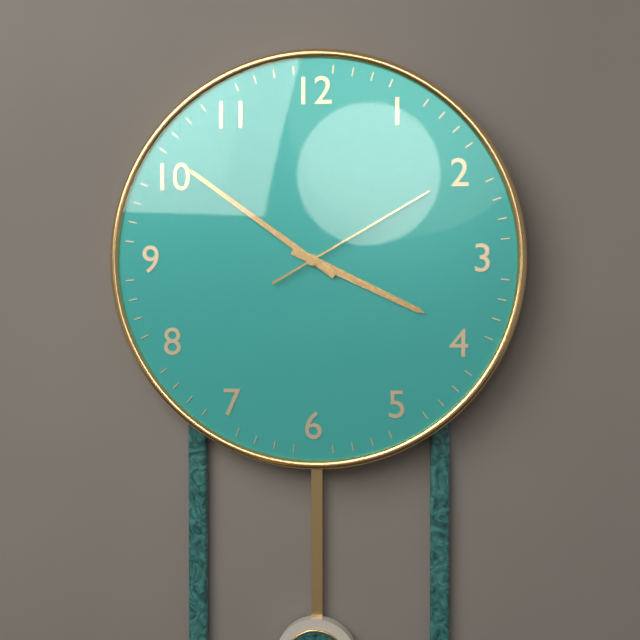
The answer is 3:51:10
